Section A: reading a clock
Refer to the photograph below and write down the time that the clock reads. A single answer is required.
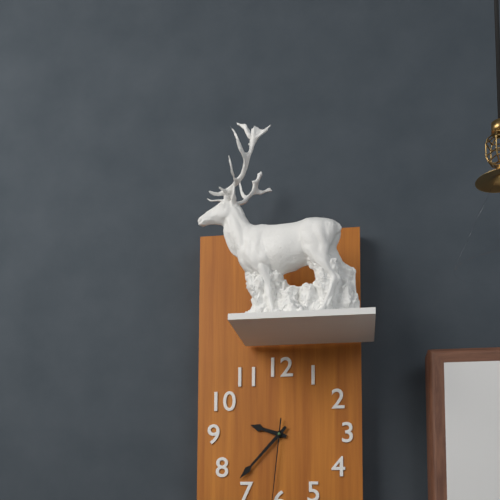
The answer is 9:37
